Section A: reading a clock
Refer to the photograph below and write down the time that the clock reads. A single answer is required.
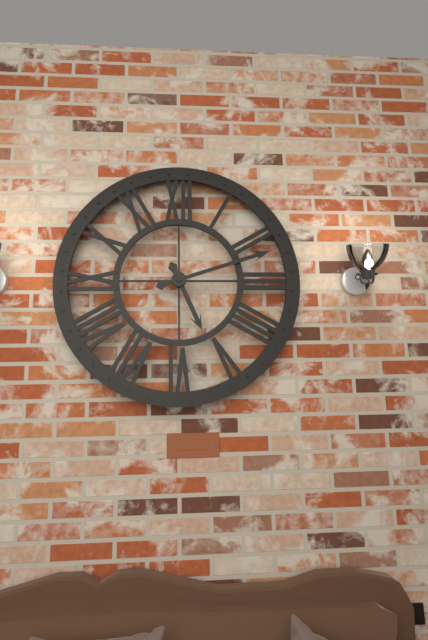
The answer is 5:12
